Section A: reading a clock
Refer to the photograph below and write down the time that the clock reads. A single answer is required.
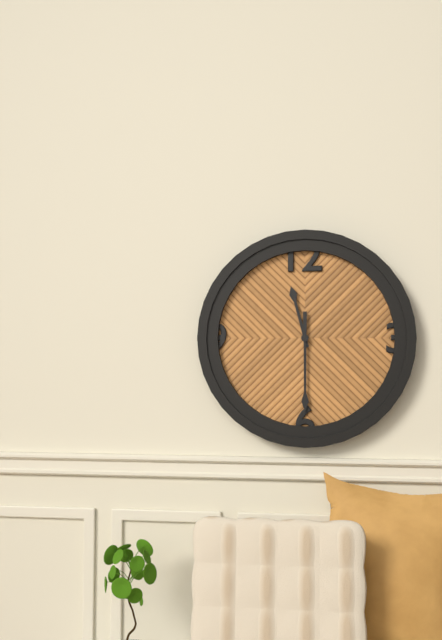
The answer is 11:30
